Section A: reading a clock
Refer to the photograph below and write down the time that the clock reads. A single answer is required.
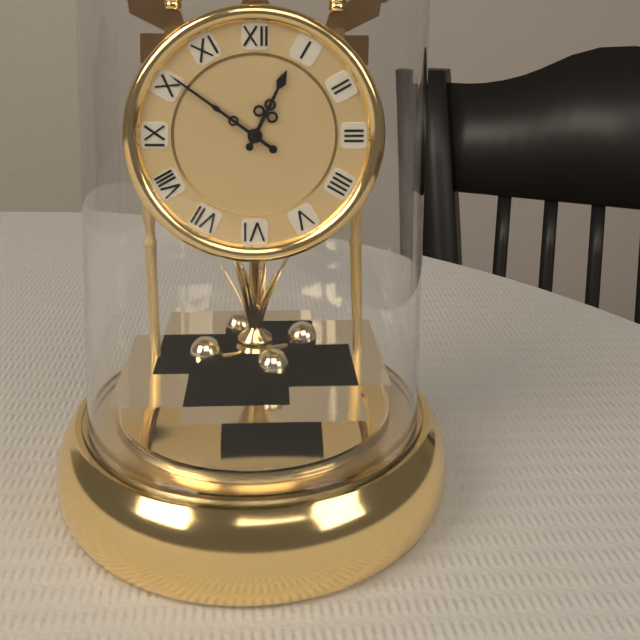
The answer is 12:51
